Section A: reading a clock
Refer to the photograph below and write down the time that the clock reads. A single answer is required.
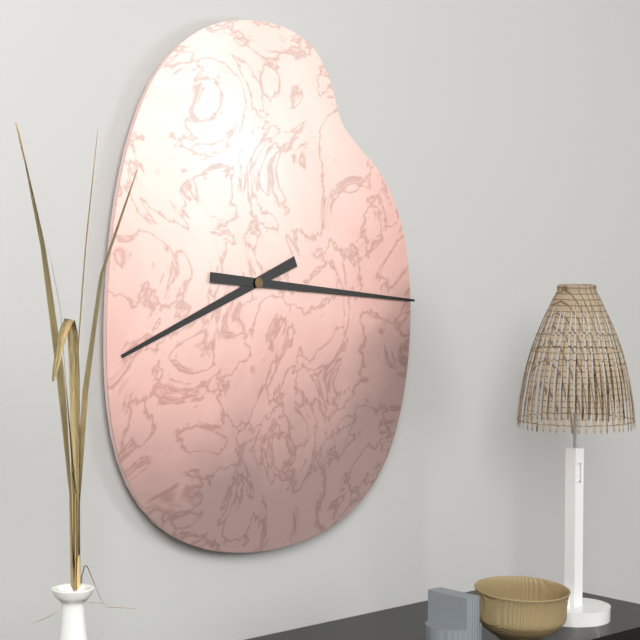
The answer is 8:16
